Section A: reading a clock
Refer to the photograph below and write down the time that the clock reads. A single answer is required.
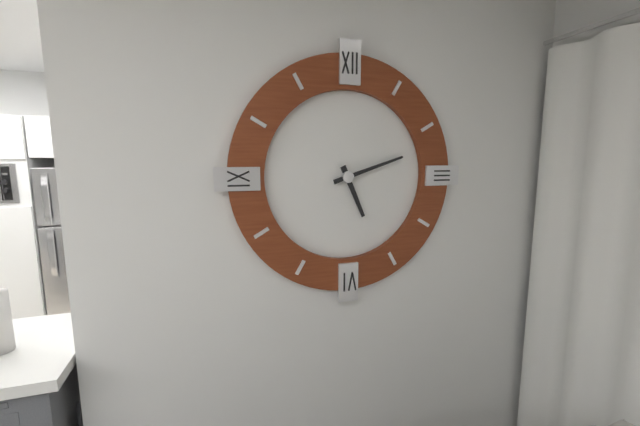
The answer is 5:12
